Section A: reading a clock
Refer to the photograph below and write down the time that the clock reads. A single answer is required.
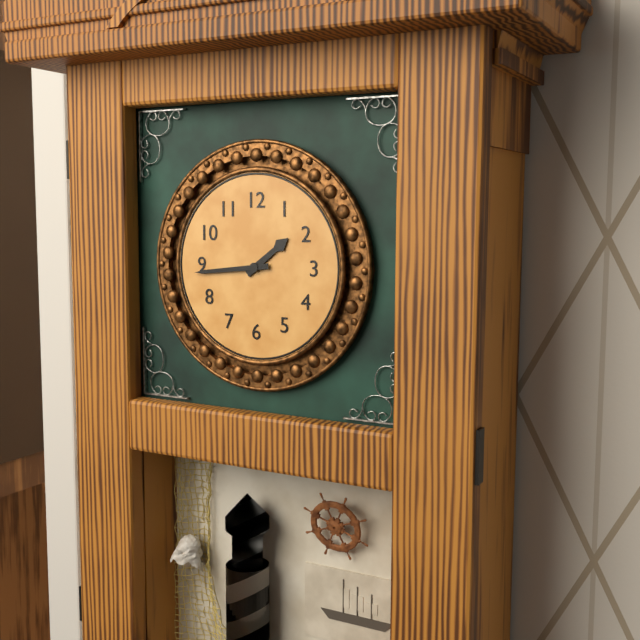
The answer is 1:44
